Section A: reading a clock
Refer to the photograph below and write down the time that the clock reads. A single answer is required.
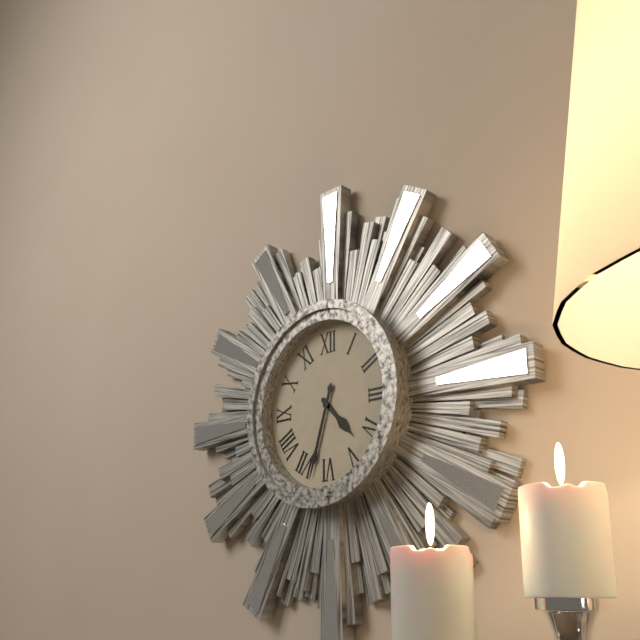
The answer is 4:33
